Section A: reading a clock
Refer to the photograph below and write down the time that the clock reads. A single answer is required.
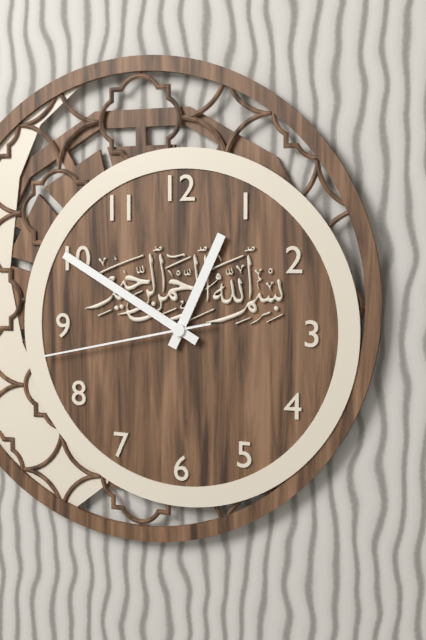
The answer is 12:50:43
